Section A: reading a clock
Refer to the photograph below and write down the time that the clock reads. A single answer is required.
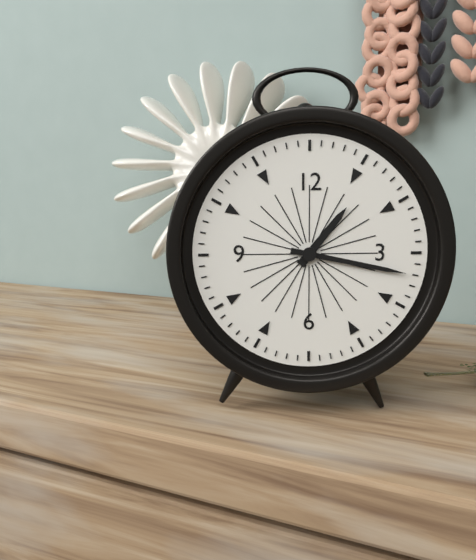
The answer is 1:17
